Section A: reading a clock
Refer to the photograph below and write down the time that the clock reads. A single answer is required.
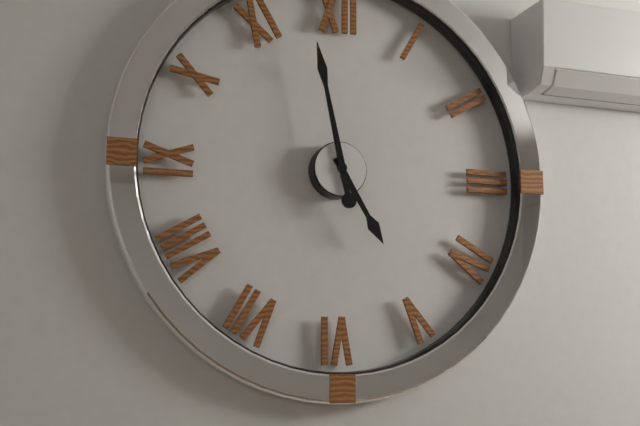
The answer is 4:58
